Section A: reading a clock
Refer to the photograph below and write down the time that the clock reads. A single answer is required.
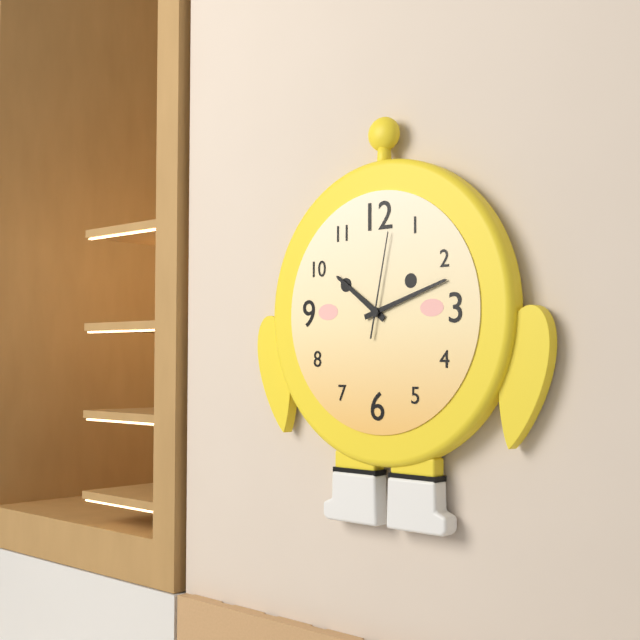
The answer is 10:12:02
